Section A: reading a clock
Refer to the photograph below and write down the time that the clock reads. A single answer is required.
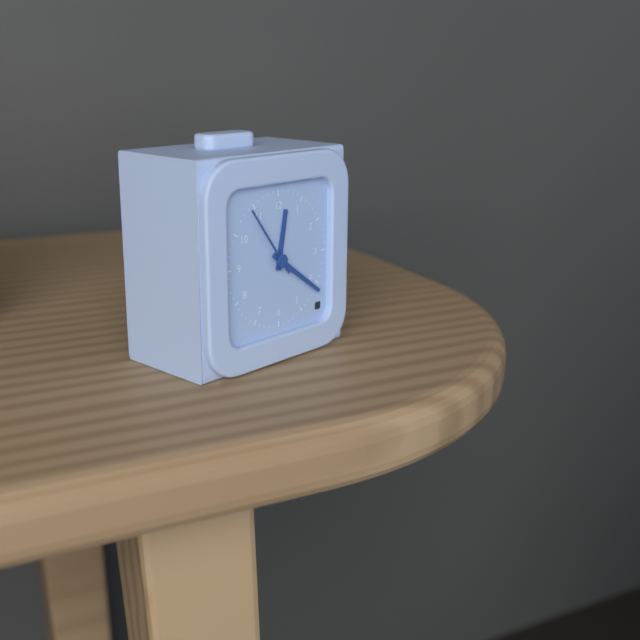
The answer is 12:21:54
